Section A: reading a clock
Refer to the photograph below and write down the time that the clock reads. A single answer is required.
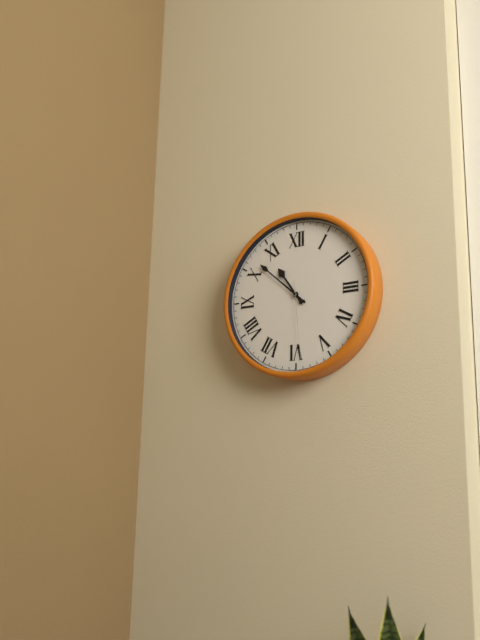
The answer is 10:52:29
